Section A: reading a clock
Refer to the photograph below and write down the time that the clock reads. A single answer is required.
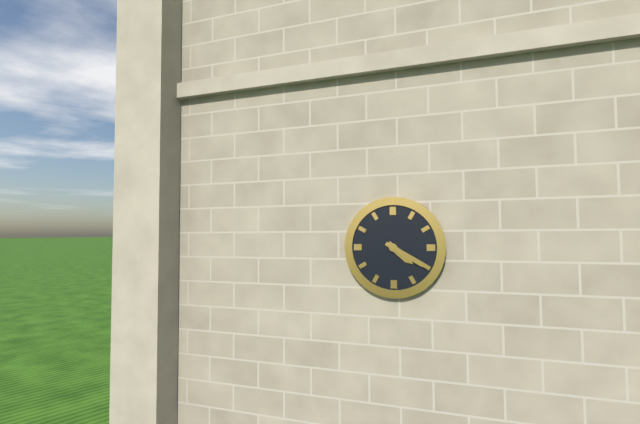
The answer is 4:20
